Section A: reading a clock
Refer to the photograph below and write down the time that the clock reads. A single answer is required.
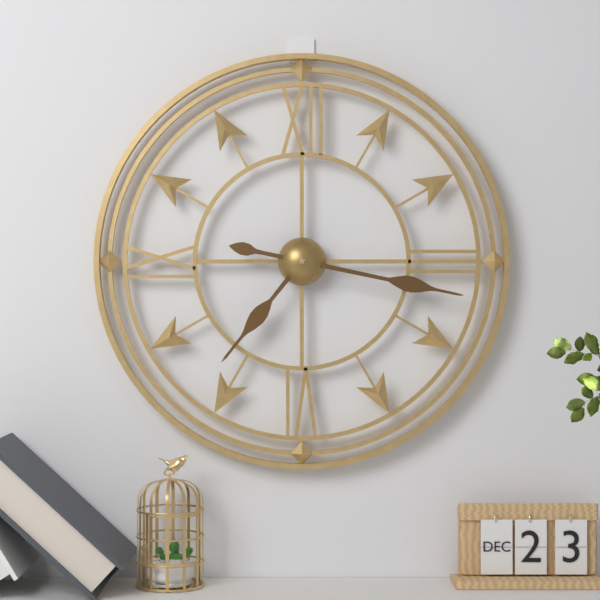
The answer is 7:17
